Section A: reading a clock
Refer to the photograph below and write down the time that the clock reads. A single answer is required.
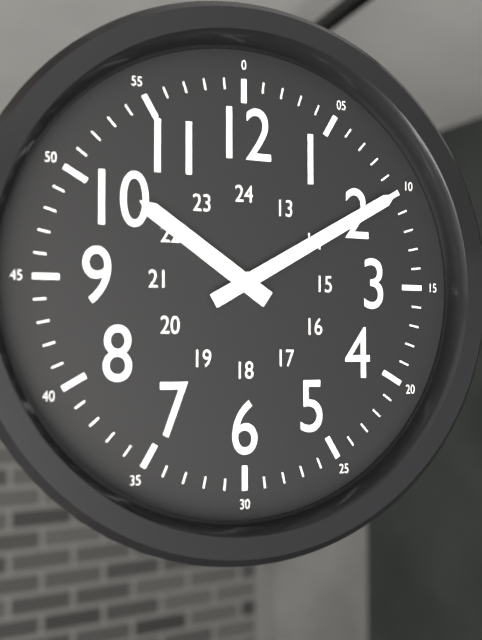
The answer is 10:10
